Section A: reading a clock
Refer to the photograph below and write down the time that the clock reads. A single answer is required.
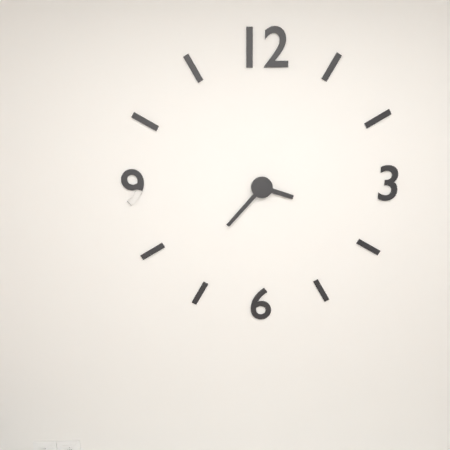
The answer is 3:37
